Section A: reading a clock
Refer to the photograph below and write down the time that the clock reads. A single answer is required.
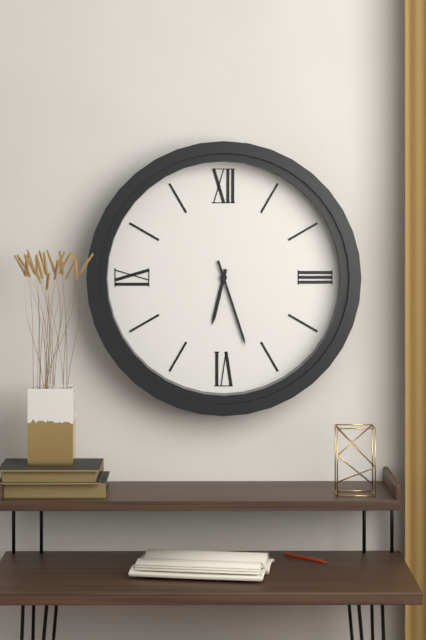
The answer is 6:27
